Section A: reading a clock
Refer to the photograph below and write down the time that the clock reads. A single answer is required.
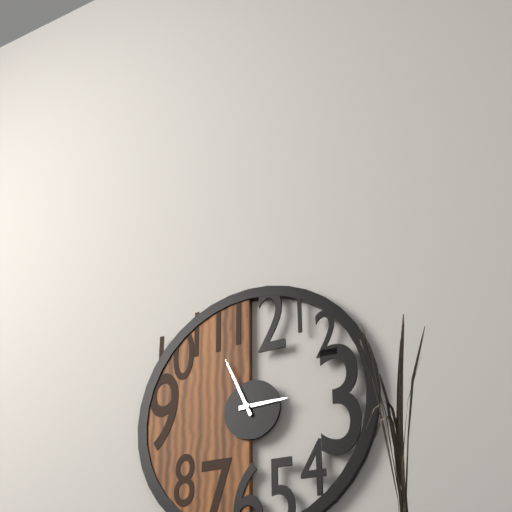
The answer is 2:56
